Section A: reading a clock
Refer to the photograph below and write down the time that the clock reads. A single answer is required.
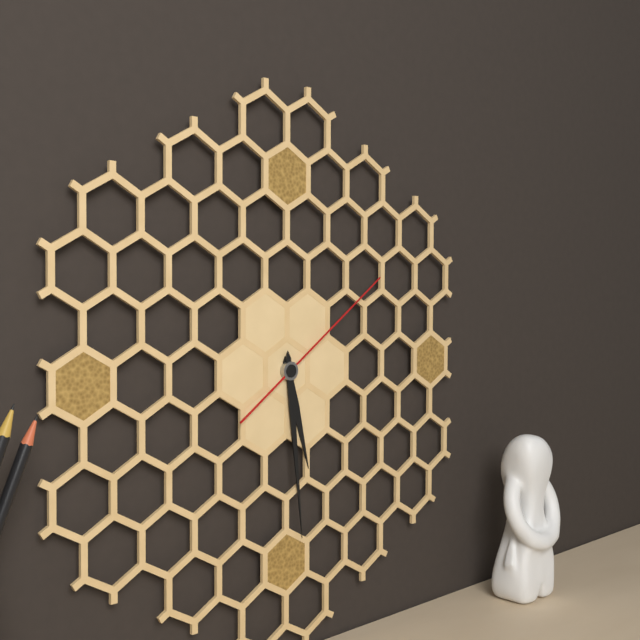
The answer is 5:29:09
